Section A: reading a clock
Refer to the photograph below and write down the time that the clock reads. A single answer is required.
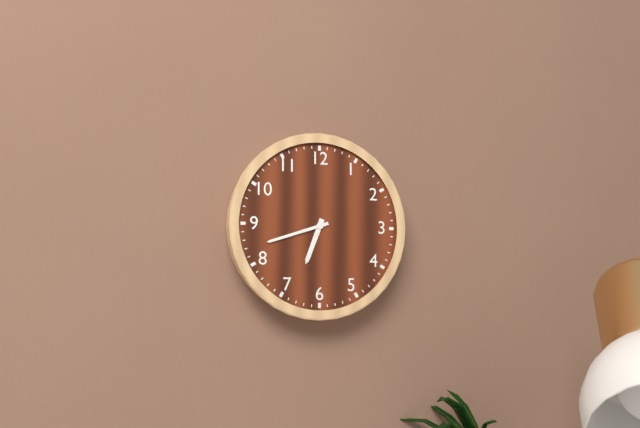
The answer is 6:42
